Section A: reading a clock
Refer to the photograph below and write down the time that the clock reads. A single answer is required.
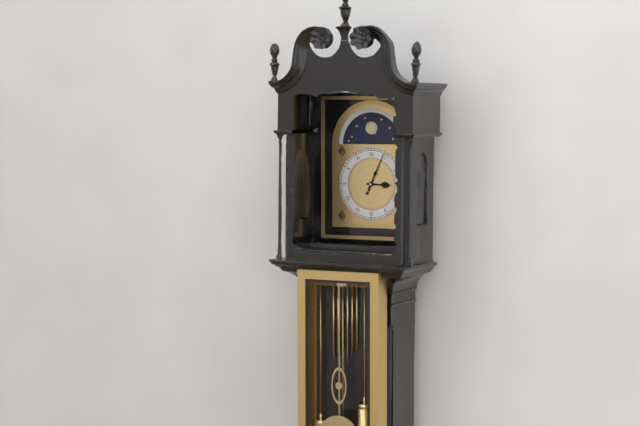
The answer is 3:04
